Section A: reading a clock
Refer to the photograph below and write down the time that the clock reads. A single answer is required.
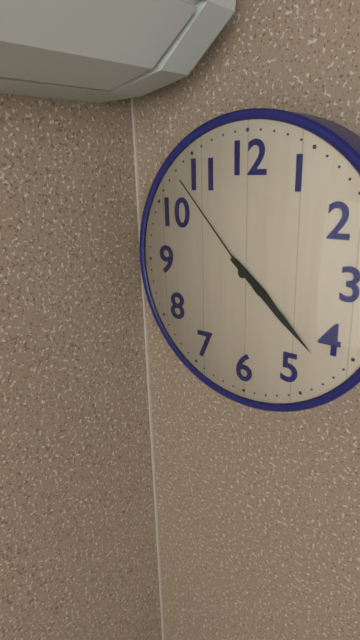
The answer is 4:22:53
